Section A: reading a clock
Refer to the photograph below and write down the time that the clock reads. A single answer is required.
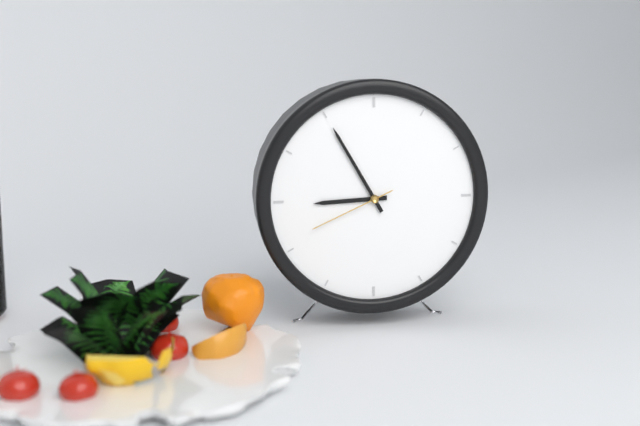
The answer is 8:55:41
